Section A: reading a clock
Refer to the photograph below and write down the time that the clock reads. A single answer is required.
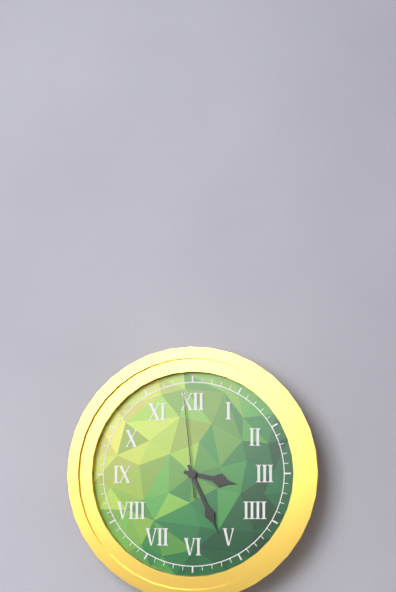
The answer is 3:26:59
